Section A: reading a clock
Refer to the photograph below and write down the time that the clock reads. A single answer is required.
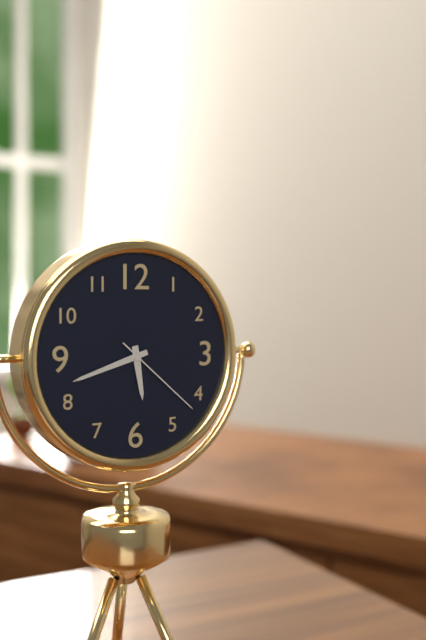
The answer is 5:42:22
